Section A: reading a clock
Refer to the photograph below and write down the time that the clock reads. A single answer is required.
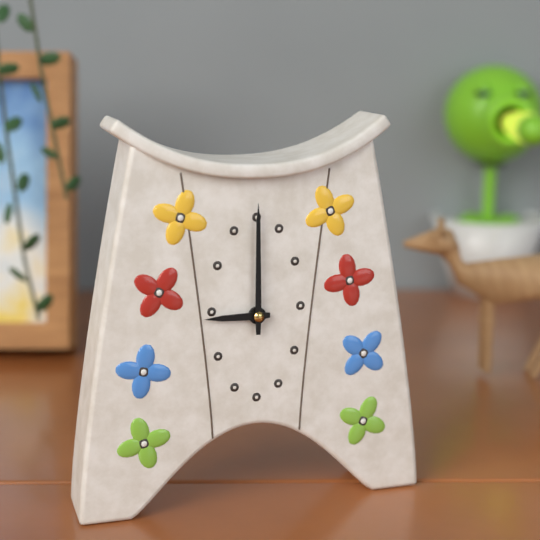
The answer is 9:00
